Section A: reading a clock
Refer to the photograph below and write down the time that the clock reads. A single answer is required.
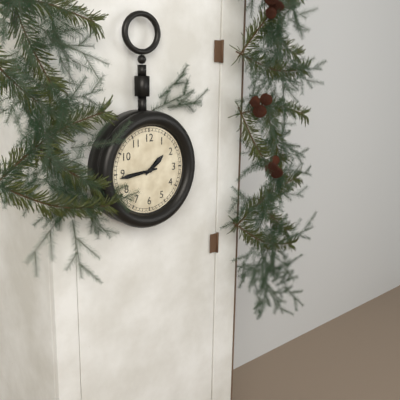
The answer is 1:44
